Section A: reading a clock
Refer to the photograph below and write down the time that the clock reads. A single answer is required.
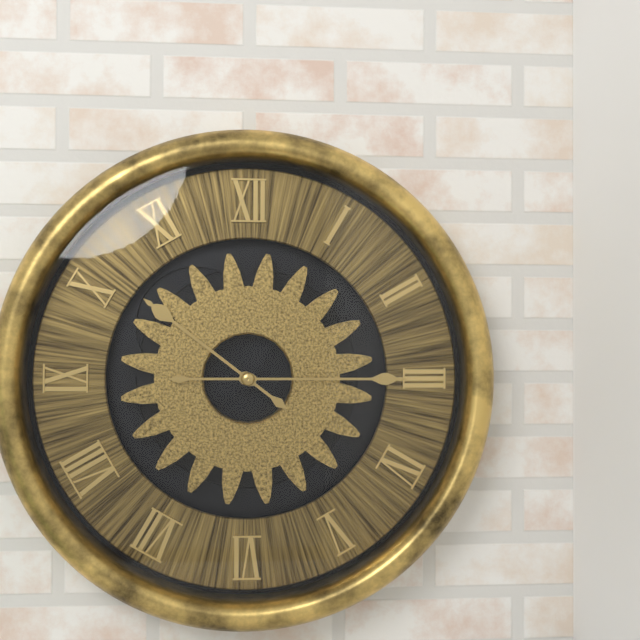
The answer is 10:15
